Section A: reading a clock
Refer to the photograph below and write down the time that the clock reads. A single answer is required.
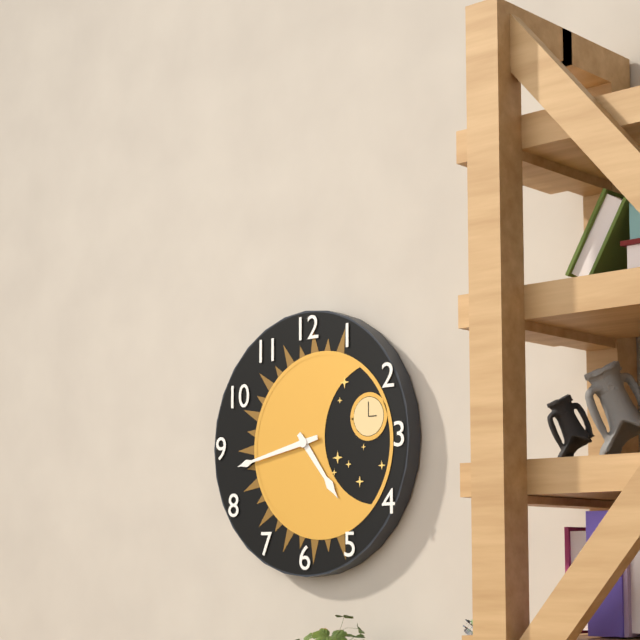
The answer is 4:43
